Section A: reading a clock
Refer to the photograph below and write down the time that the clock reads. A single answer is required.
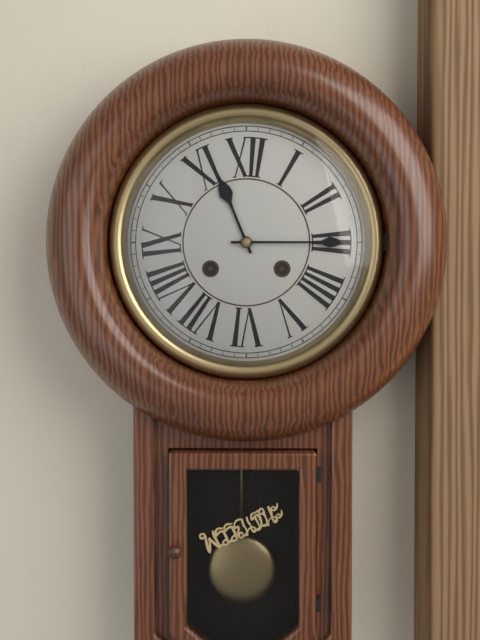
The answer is 11:15
